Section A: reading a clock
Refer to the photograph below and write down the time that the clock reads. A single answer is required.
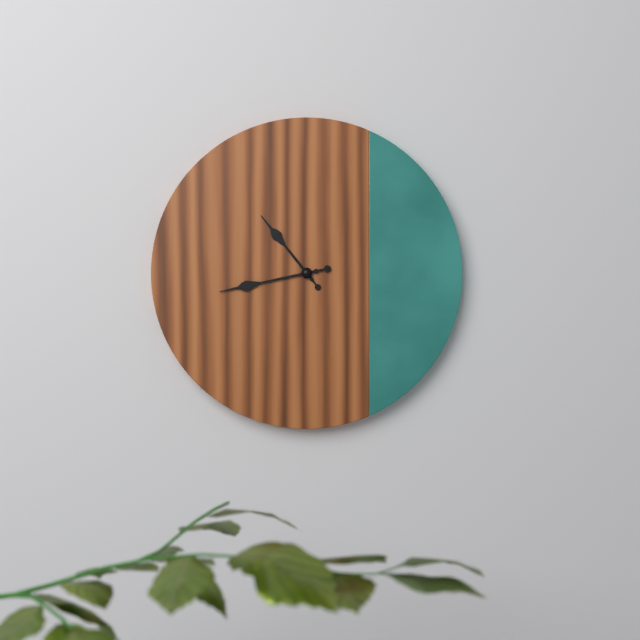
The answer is 10:43
